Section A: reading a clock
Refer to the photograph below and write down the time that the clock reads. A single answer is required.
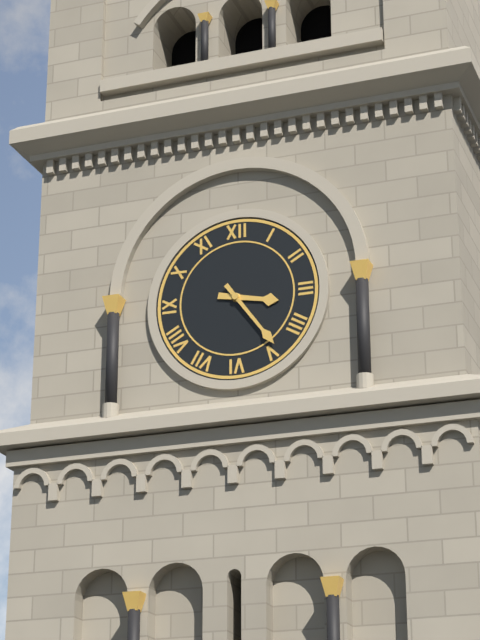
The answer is 3:24
